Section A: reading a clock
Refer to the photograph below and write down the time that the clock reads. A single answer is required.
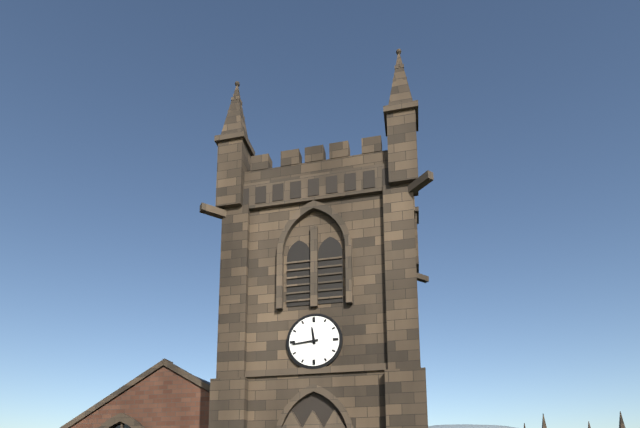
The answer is 11:44
